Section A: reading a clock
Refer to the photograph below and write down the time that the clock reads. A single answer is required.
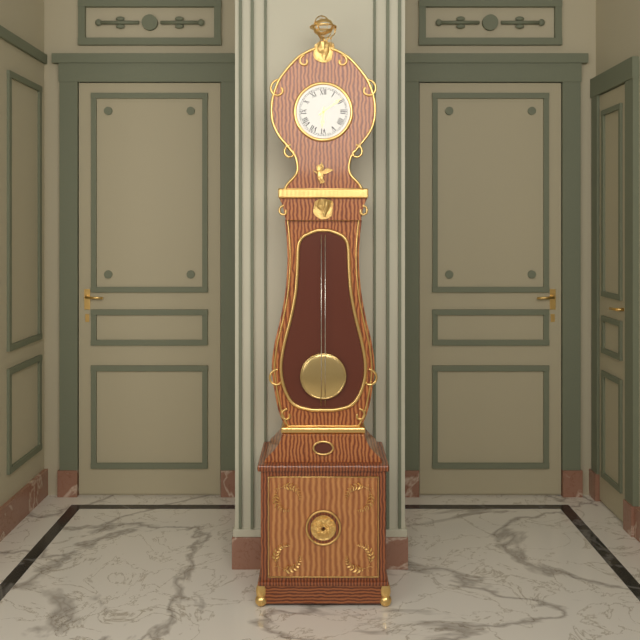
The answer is 6:09
